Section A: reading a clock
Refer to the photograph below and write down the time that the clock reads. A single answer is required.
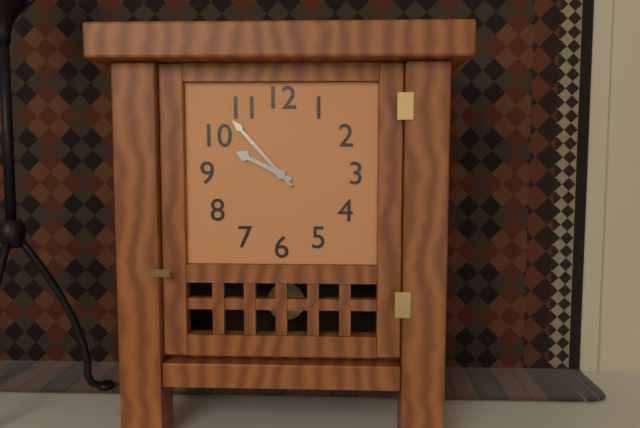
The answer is 9:53
